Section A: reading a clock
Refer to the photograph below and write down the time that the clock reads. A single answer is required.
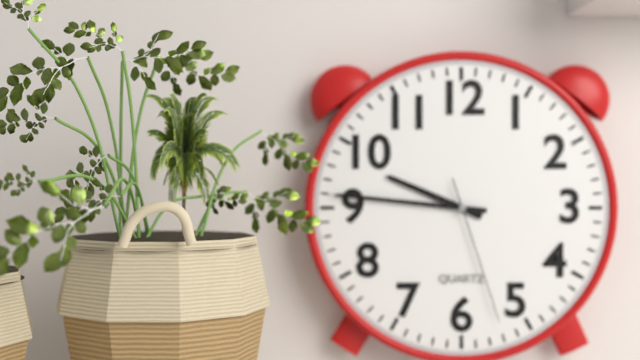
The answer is 9:46:27
